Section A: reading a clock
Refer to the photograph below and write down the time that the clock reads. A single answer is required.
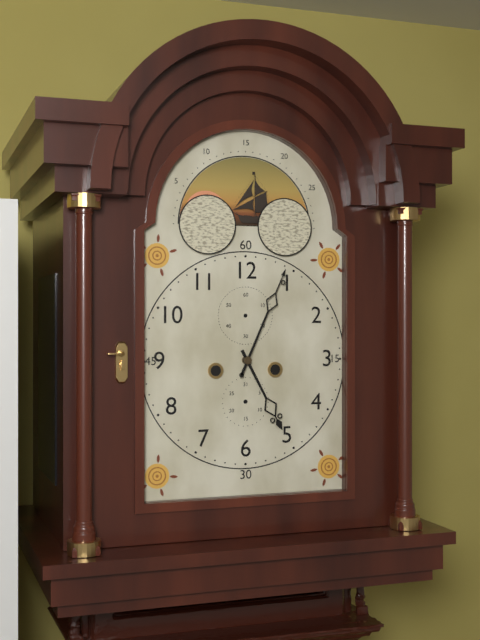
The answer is 5:04
